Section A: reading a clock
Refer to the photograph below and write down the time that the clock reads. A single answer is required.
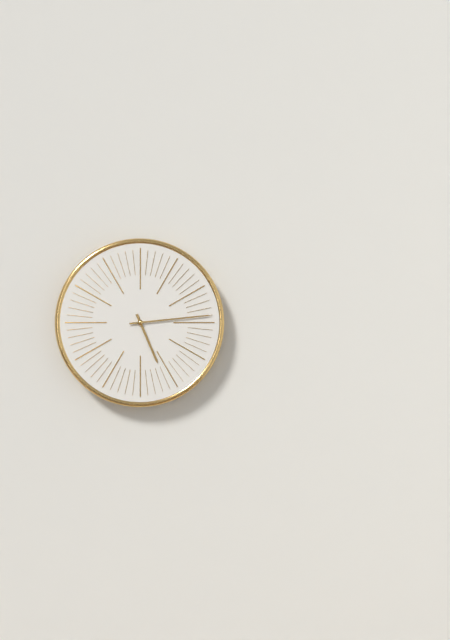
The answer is 5:14
